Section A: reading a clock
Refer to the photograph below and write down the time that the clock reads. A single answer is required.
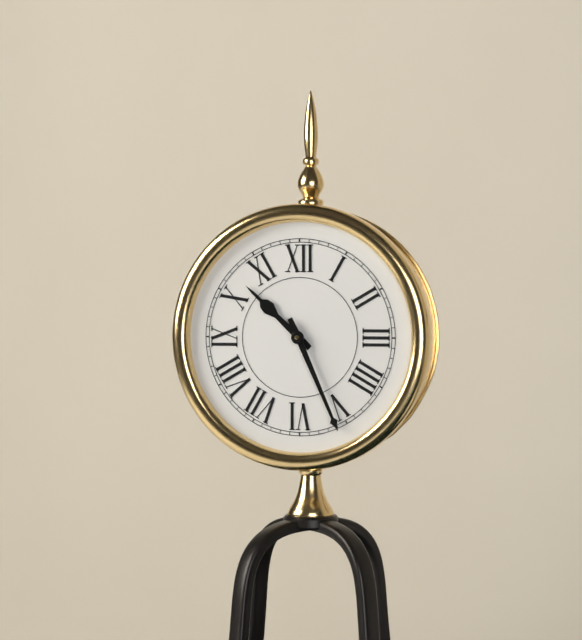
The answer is 10:26
